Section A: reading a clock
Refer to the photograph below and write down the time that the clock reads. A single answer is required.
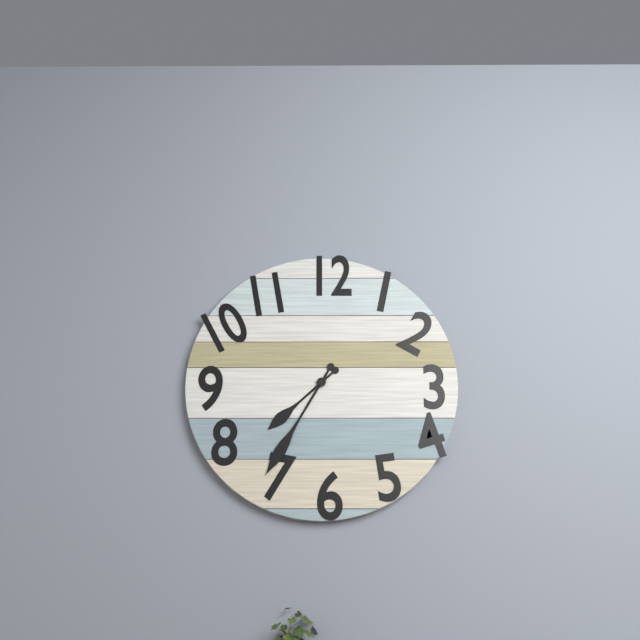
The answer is 7:35
